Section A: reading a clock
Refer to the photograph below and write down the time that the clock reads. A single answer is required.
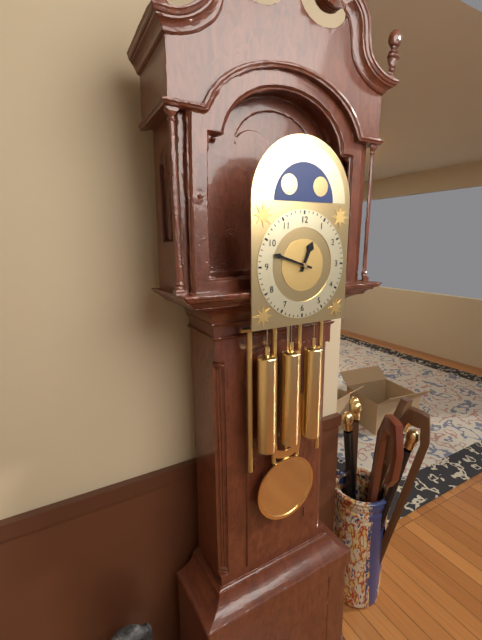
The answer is 12:48
